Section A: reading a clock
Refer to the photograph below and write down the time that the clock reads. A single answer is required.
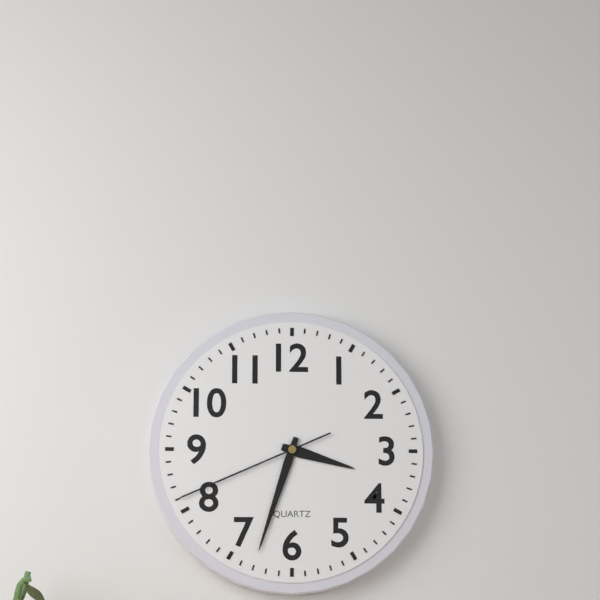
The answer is 3:33:41
